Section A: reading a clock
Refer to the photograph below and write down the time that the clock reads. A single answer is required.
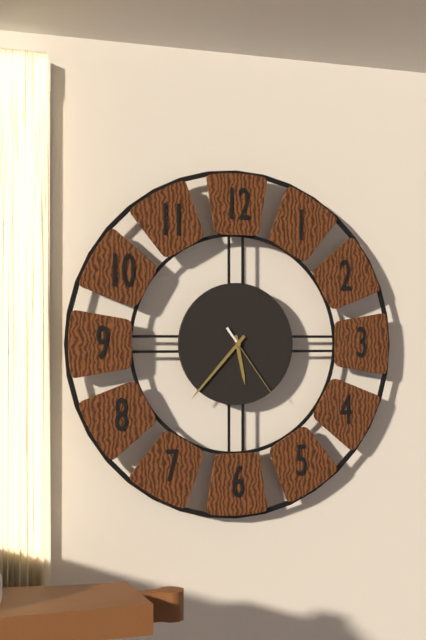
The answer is 5:37:24
